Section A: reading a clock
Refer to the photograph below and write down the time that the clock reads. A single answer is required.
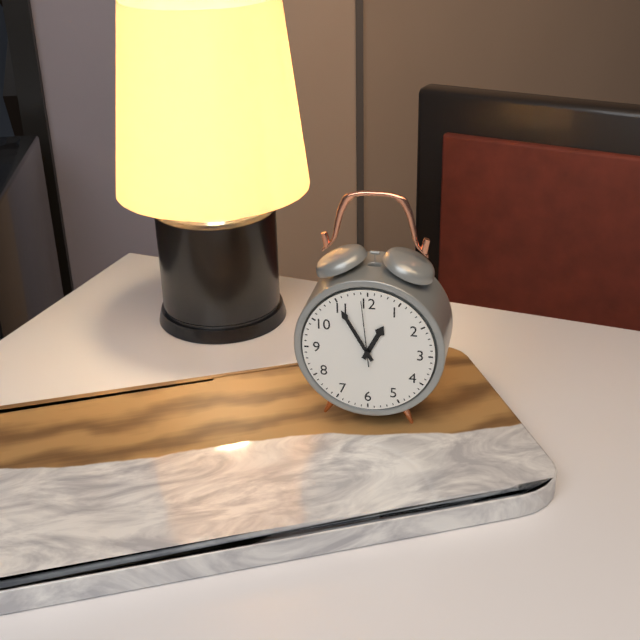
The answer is 12:55:59
